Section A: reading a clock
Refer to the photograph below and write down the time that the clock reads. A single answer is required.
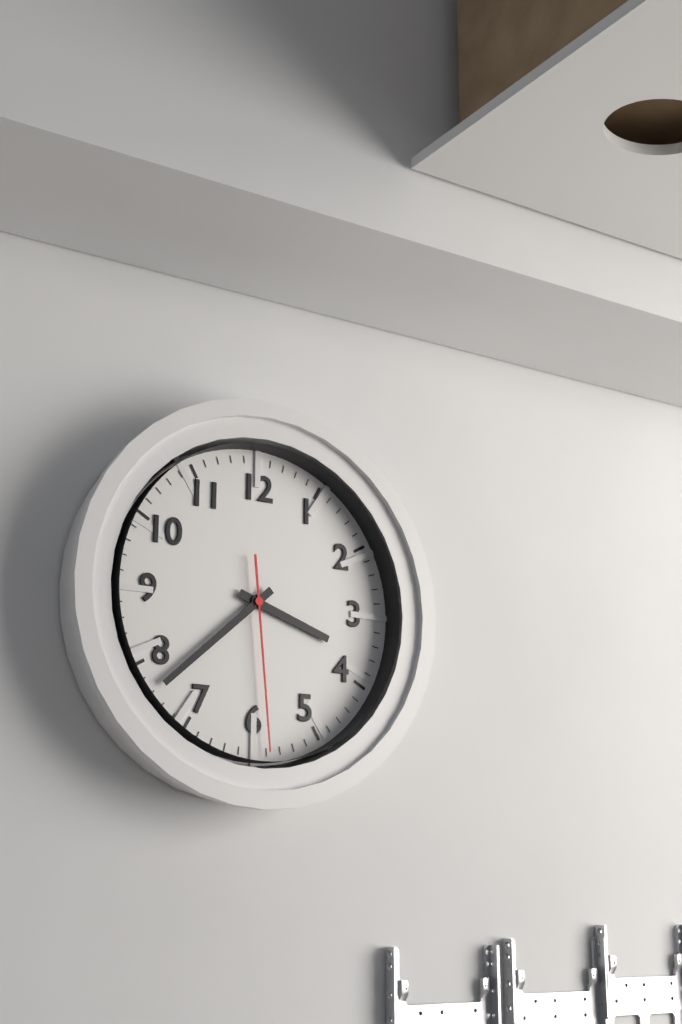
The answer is 3:38:29
